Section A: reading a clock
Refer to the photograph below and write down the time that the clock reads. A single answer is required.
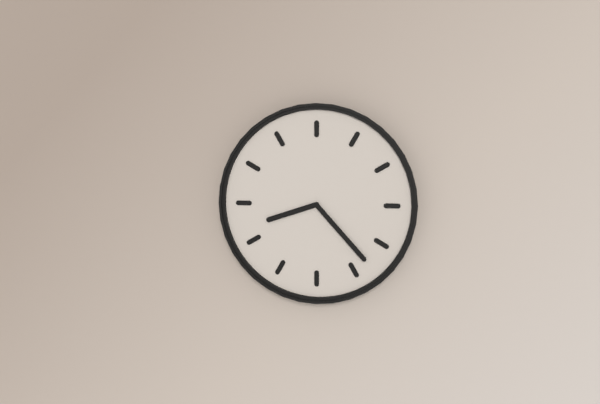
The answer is 8:23
